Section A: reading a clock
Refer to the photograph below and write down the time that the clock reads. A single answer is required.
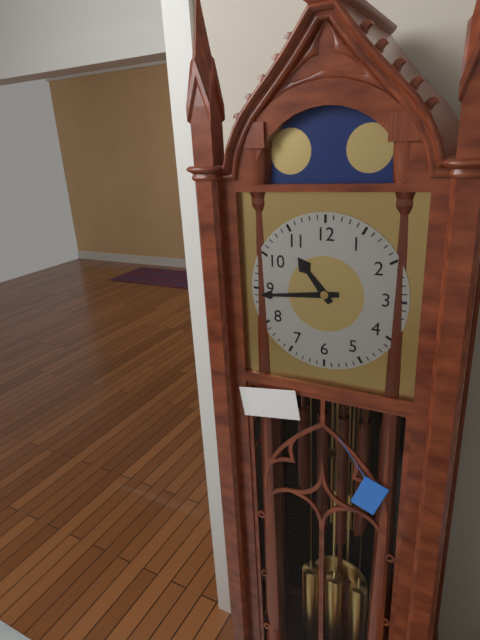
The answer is 10:44
